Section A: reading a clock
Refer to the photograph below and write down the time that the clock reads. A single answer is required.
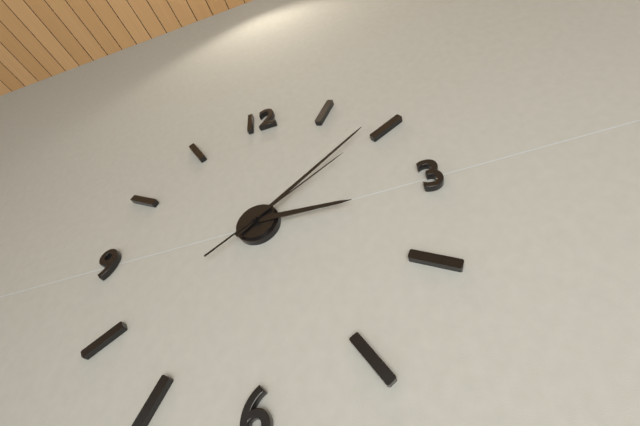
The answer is 3:09:10
